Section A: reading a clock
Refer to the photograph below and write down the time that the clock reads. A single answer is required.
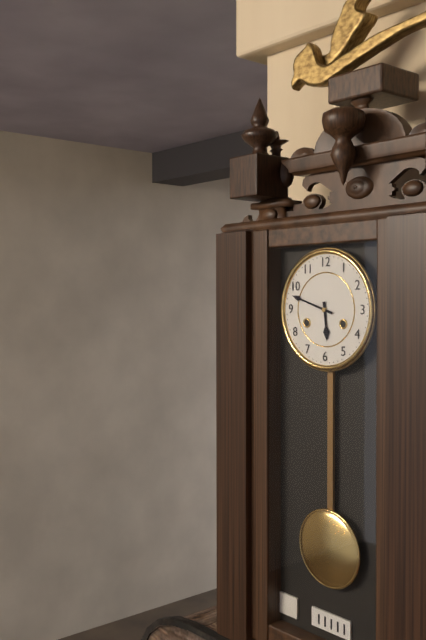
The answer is 5:48
